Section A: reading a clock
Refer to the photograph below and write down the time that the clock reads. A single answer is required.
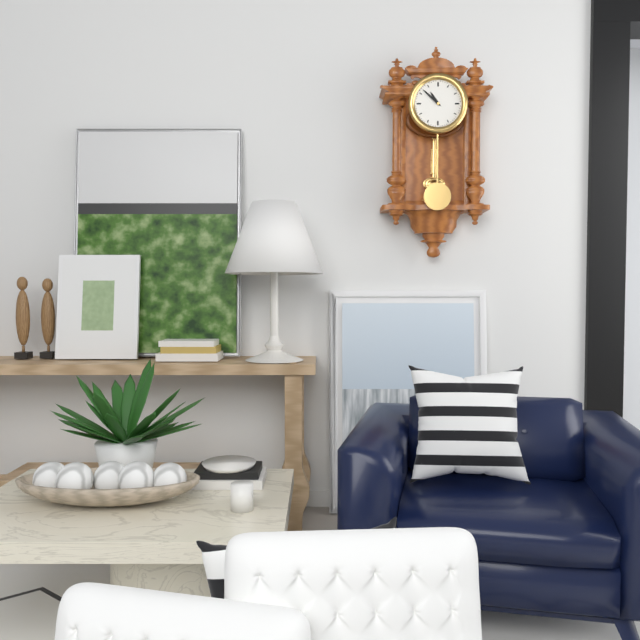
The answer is 10:52
